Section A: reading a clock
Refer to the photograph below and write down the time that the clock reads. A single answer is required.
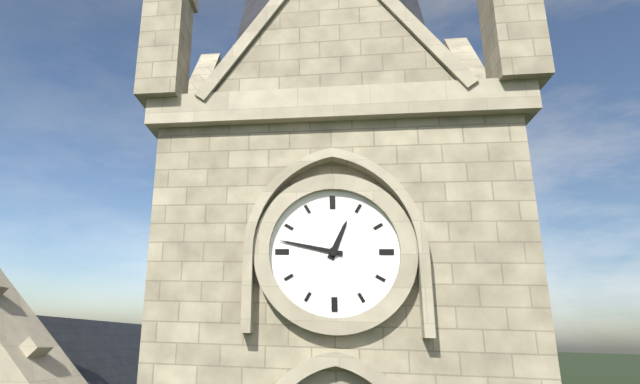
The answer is 12:47
